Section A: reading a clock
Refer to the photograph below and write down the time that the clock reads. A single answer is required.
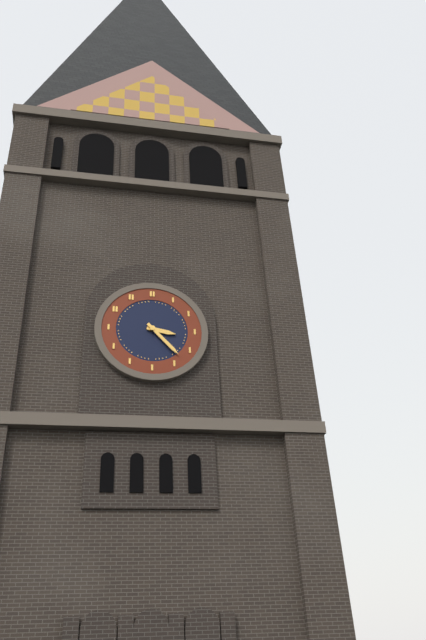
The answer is 3:23
